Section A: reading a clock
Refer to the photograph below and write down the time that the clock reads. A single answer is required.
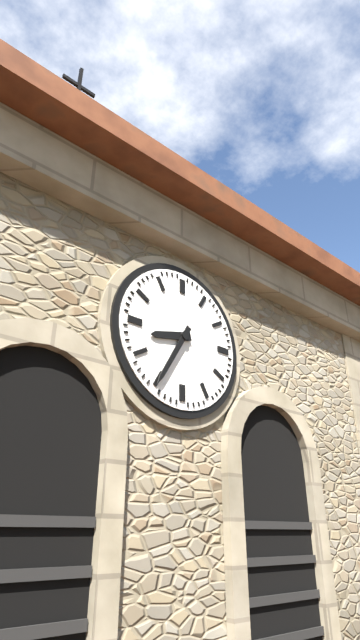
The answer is 8:35
